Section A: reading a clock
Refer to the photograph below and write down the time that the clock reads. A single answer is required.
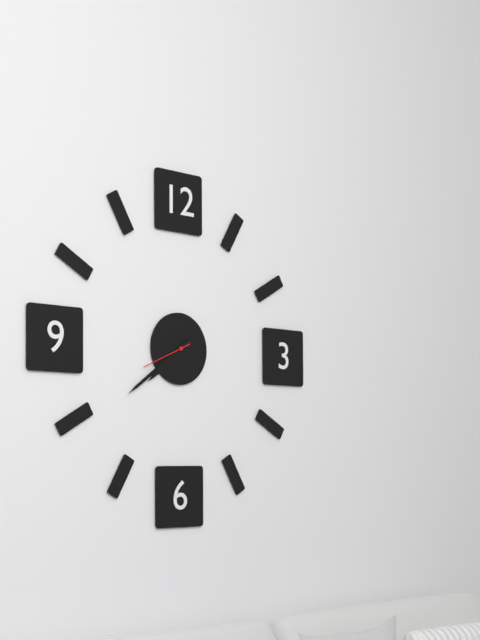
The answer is 7:39
